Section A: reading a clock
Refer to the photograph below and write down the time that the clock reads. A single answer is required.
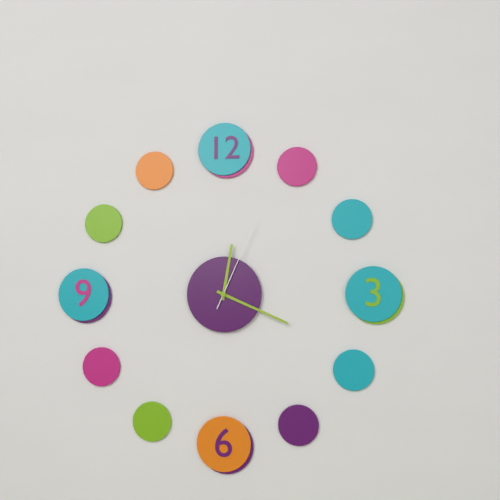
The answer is 12:19:04
